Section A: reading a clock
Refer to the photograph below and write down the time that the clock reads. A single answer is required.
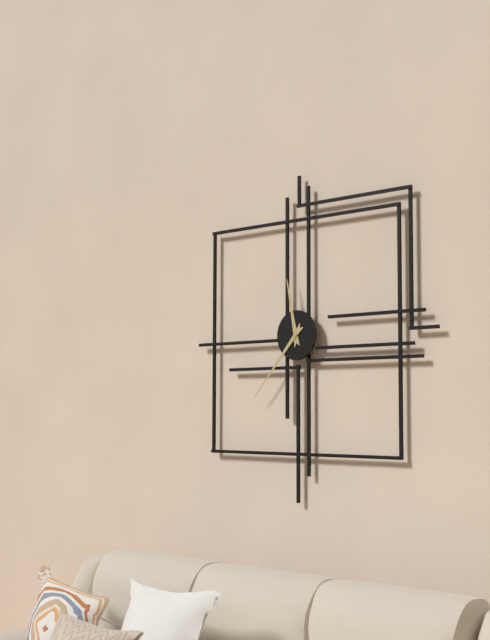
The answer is 11:37
